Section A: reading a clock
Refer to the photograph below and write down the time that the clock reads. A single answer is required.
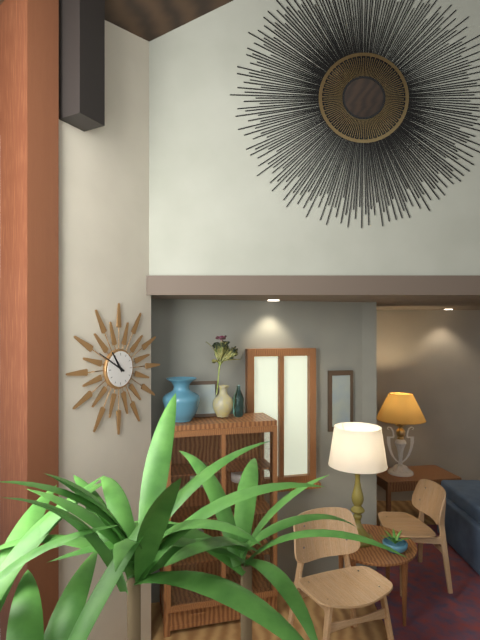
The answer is 10:50
